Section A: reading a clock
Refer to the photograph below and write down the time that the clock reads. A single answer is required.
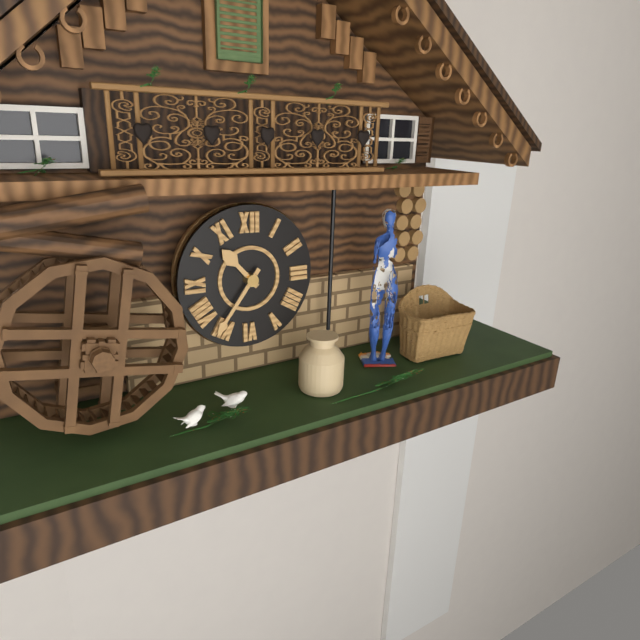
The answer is 10:36
